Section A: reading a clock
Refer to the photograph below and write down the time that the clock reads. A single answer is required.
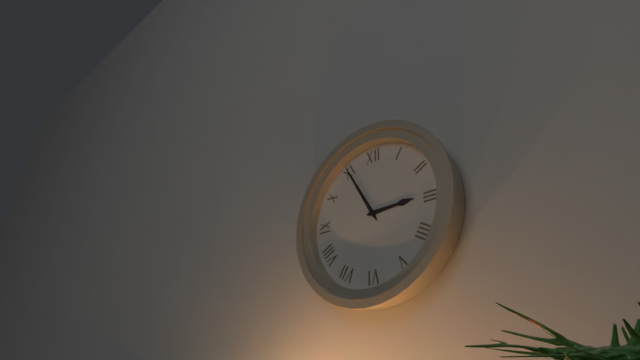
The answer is 2:55
